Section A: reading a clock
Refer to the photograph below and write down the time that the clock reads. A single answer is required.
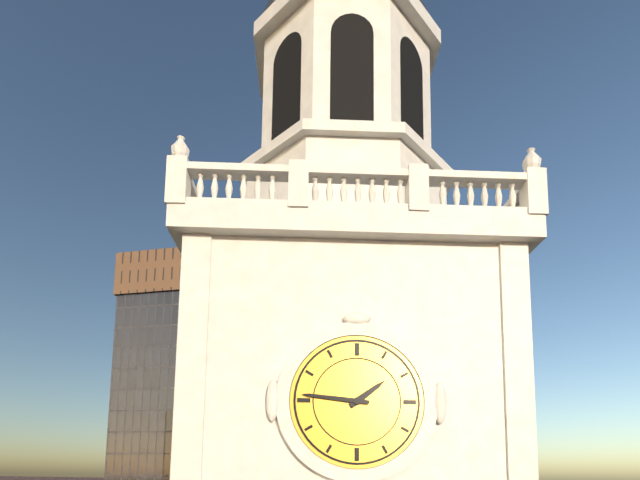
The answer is 1:46
